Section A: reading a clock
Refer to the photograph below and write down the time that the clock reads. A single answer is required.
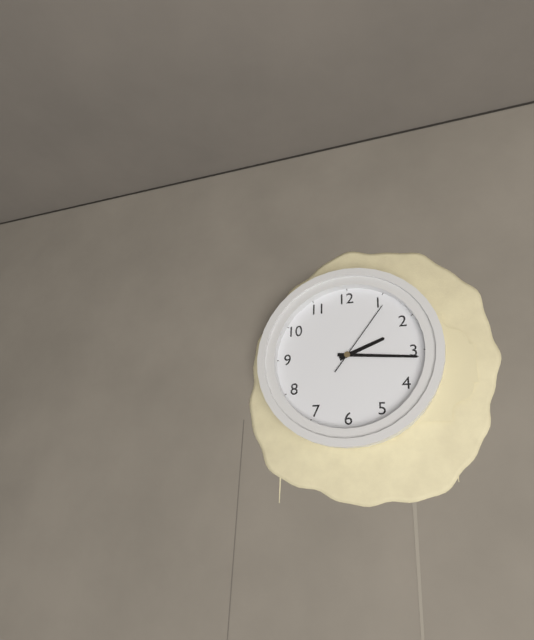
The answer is 2:16:06
